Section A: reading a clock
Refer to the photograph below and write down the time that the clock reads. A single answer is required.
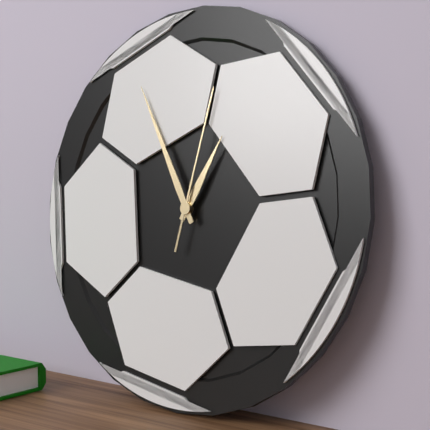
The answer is 12:55:02
